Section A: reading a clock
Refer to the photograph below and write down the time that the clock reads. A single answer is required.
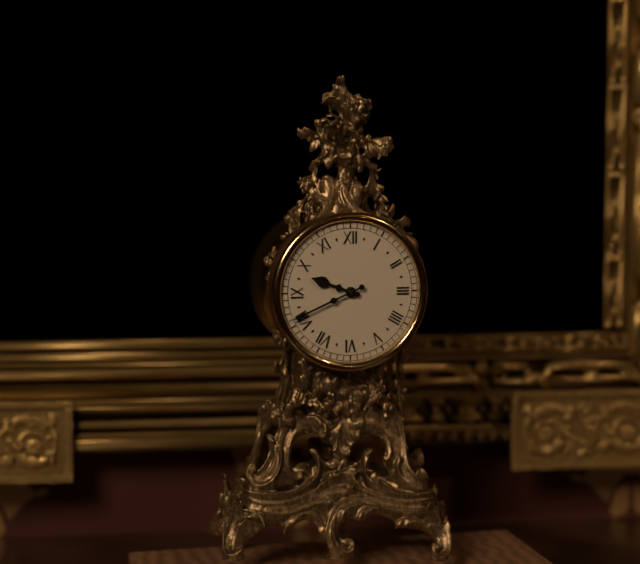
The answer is 9:41
